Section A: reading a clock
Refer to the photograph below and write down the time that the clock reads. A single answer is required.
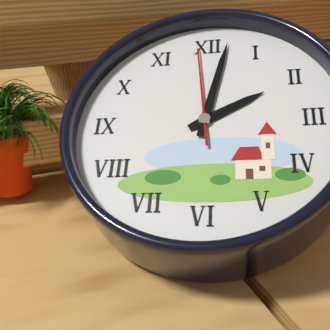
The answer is 2:02:59
